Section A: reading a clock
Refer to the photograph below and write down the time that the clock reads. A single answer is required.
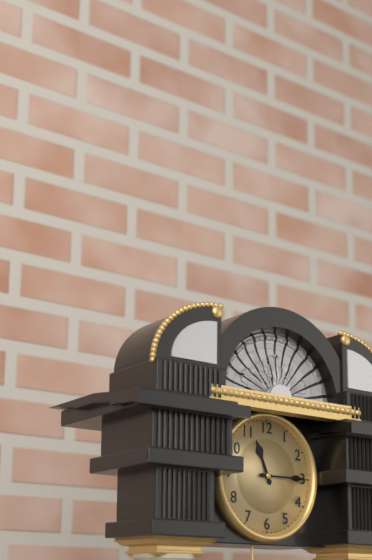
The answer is 11:15
